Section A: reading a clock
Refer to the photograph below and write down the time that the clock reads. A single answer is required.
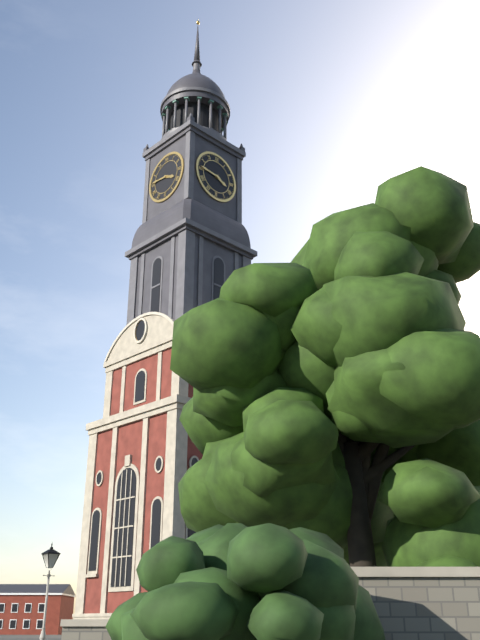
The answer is 3:46
